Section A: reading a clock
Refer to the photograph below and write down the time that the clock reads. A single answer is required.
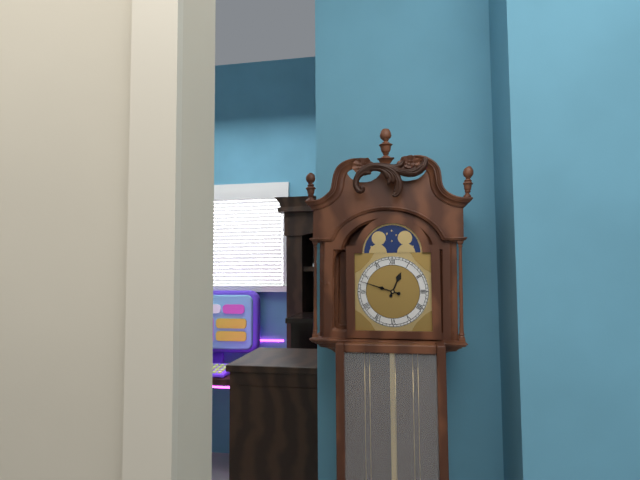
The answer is 12:48
